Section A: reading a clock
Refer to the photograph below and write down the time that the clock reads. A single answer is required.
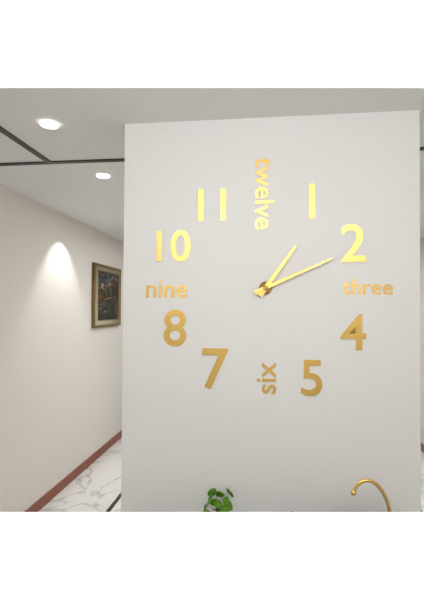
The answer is 1:11
